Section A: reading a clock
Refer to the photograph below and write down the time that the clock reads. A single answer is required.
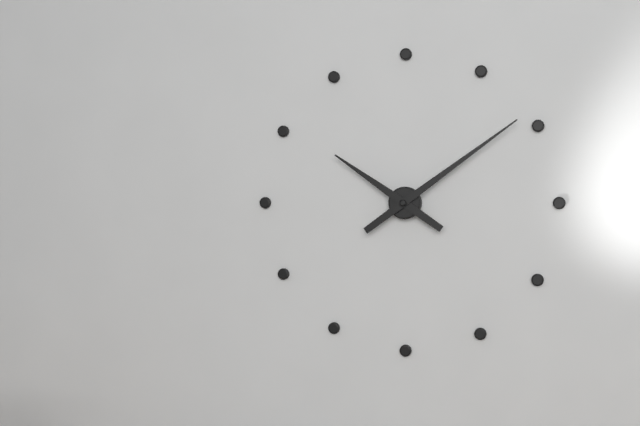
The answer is 10:09
